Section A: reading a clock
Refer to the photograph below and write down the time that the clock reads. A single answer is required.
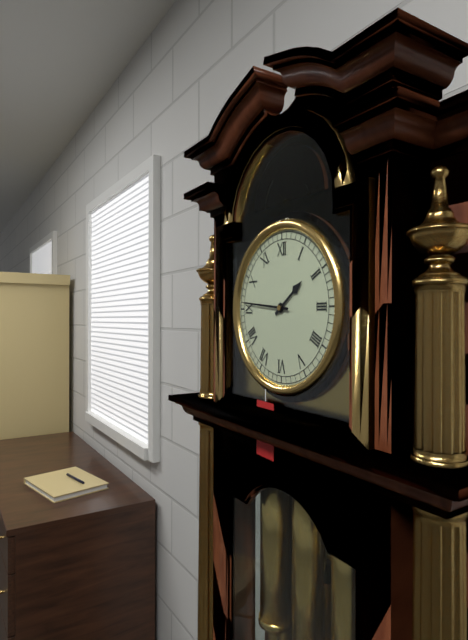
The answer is 1:46
